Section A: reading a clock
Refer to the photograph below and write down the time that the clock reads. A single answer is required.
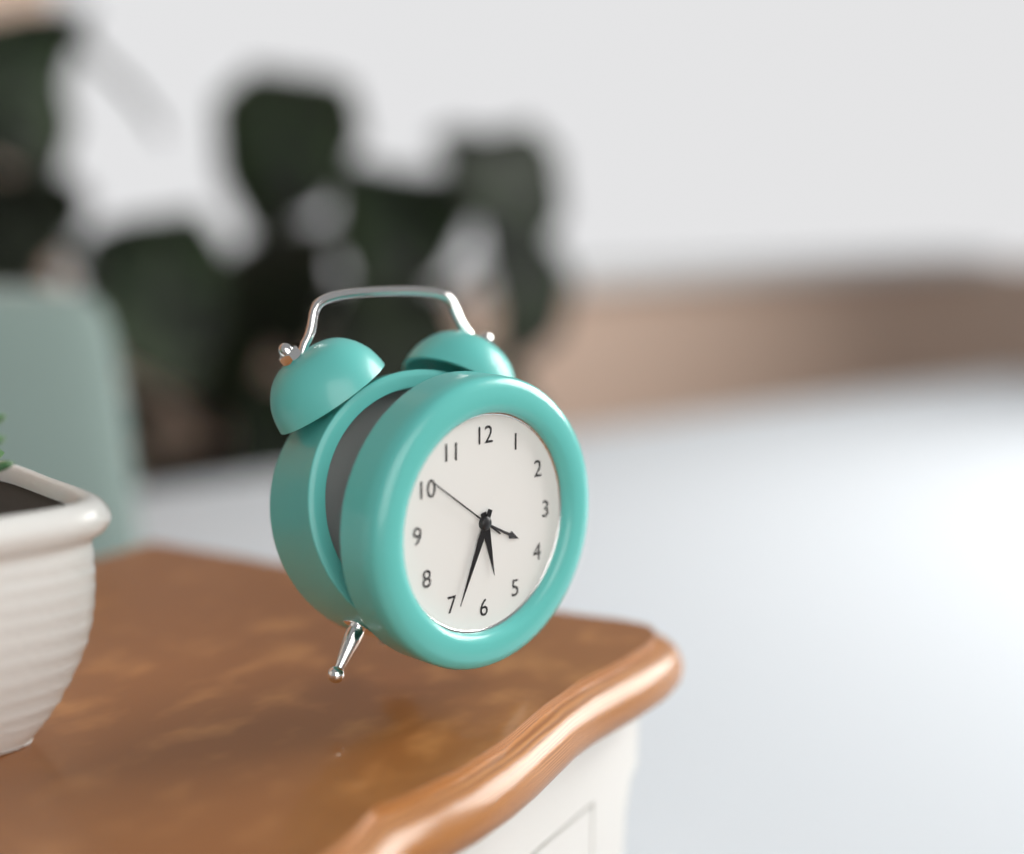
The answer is 5:34:51
